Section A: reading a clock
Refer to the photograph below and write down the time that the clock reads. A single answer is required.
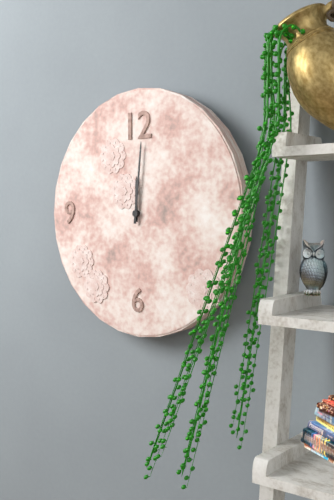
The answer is 12:01
